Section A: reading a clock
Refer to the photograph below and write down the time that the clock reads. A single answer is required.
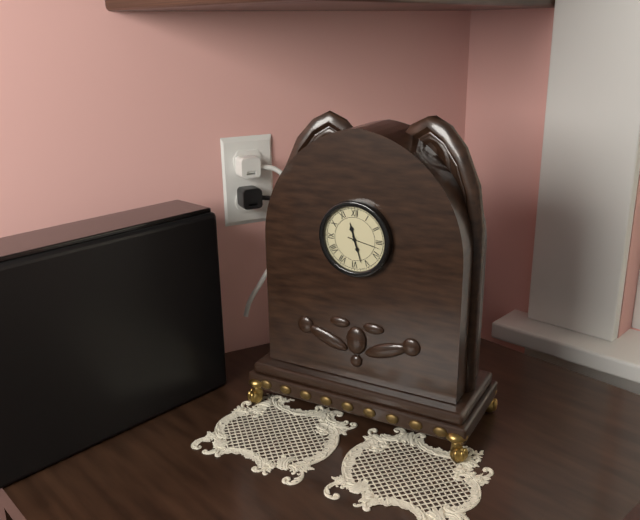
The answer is 11:27
